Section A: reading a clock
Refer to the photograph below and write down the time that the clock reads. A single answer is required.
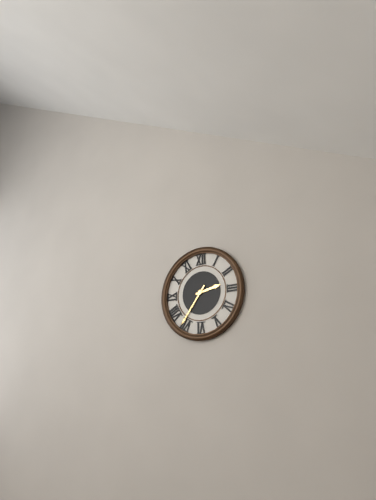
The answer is 2:36
